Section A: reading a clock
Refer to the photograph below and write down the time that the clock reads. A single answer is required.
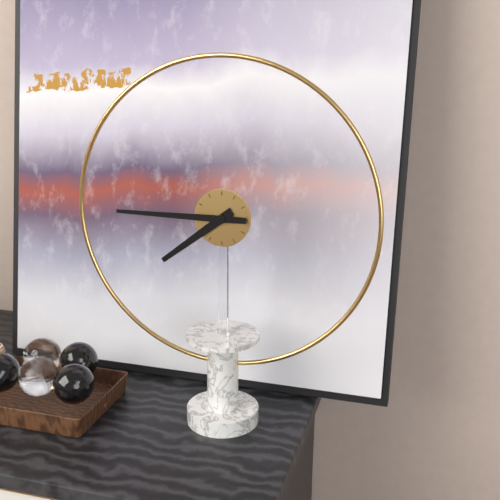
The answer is 7:45
